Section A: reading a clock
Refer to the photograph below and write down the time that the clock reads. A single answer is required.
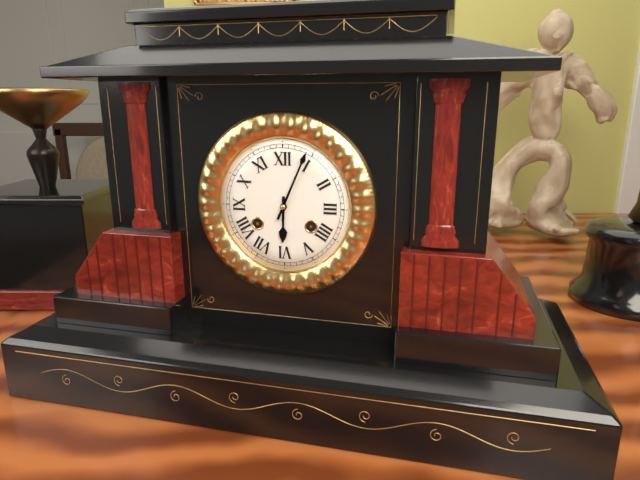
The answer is 6:04
